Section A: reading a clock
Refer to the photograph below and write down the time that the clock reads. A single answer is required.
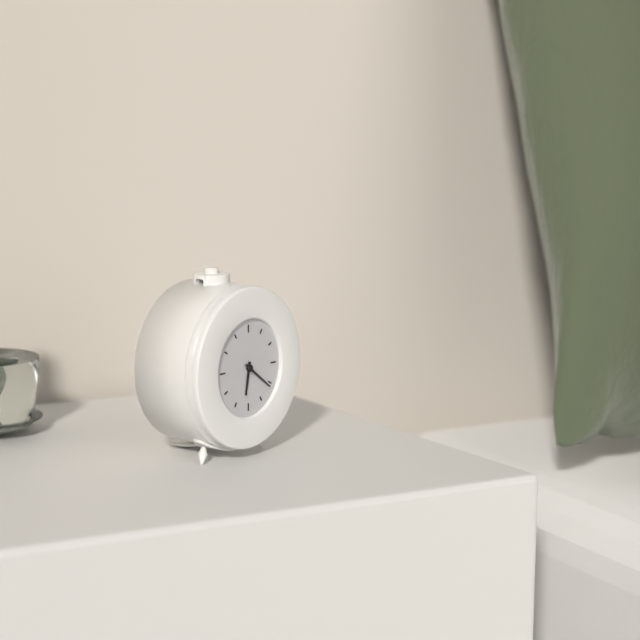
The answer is 6:21
